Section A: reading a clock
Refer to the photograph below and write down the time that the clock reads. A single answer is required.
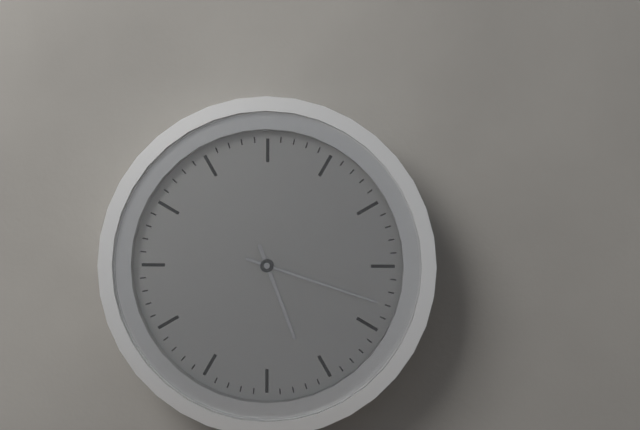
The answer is 5:18
